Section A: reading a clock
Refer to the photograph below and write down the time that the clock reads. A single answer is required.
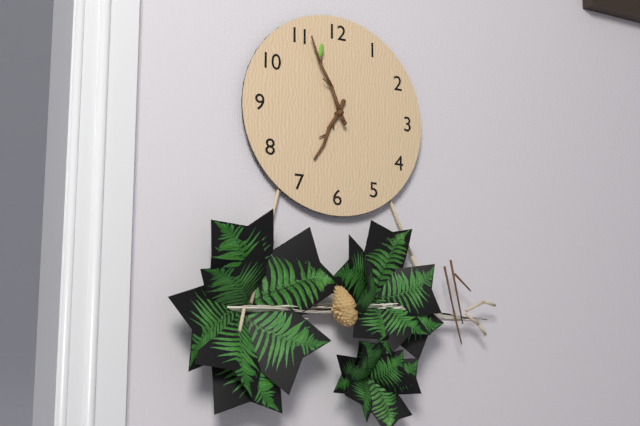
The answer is 6:56
